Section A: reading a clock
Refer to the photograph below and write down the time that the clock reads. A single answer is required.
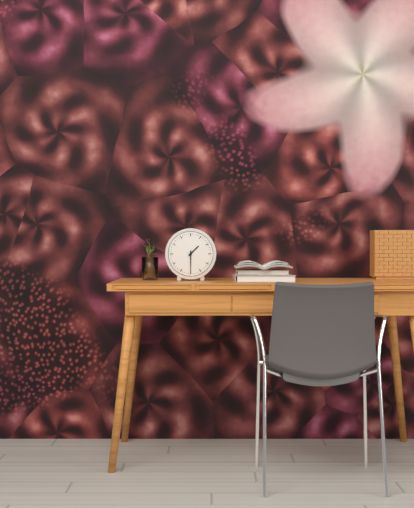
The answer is 1:30
